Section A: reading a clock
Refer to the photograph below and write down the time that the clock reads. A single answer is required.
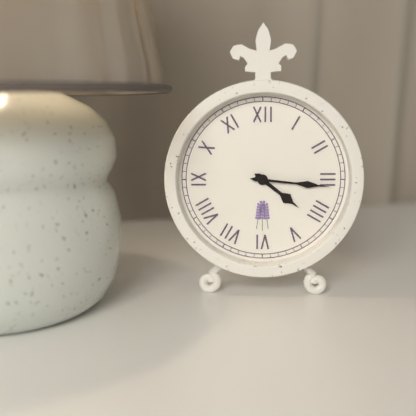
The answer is 4:16
